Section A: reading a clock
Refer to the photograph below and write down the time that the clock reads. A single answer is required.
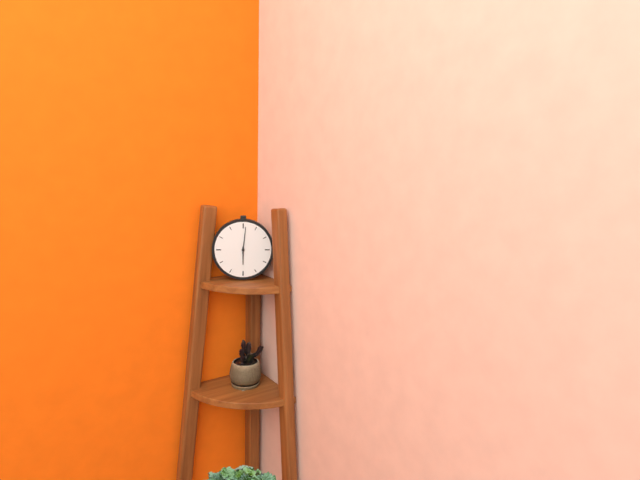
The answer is 6:01
